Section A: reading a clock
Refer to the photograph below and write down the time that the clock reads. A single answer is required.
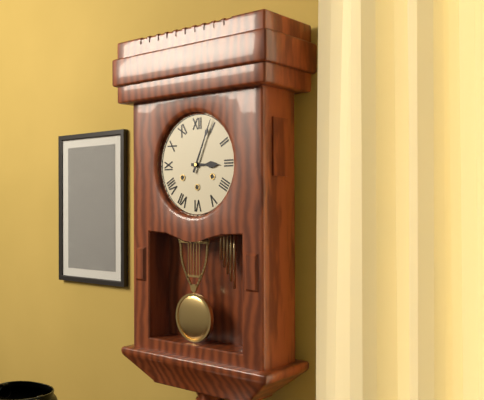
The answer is 3:04
